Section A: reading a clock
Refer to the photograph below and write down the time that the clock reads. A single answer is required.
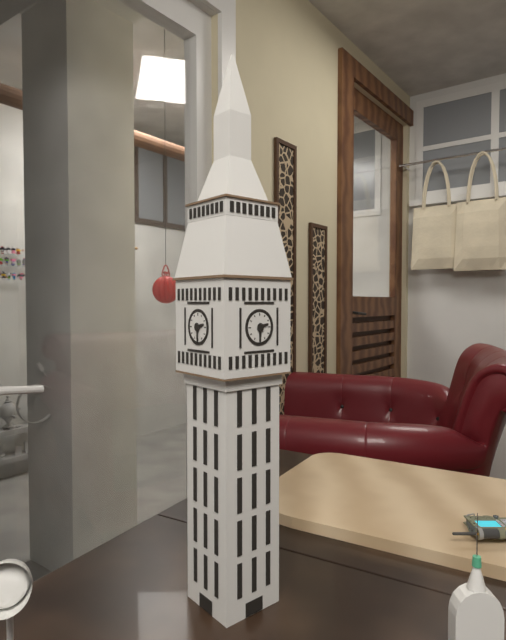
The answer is 2:30
